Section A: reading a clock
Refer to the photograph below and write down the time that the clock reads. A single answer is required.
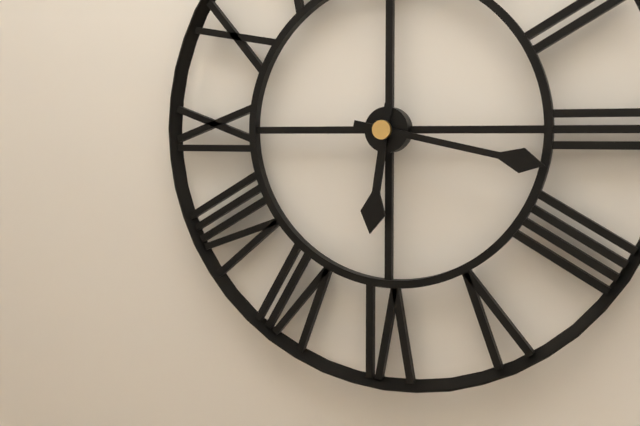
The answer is 6:17
